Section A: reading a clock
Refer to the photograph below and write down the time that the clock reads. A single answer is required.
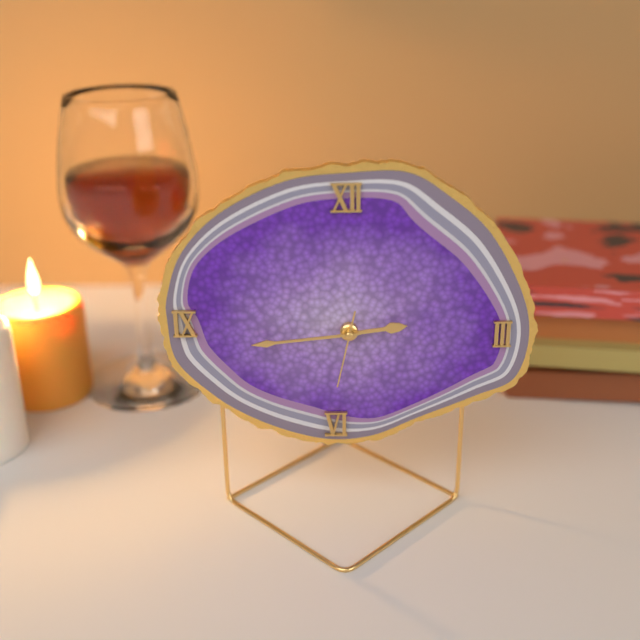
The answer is 2:44:32
